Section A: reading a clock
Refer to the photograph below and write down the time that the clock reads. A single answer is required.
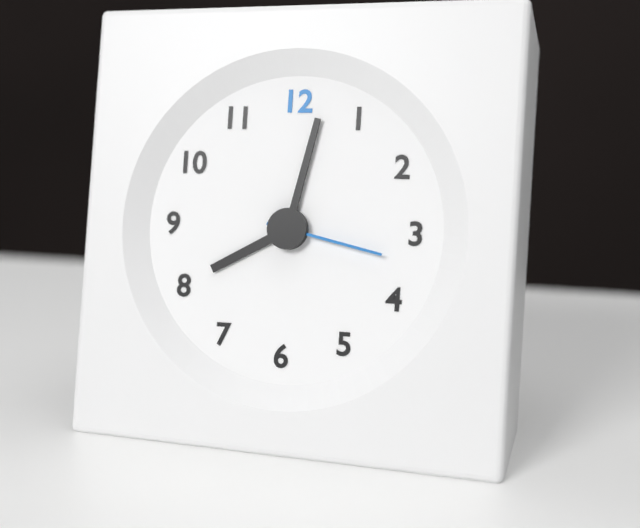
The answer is 8:02:17
